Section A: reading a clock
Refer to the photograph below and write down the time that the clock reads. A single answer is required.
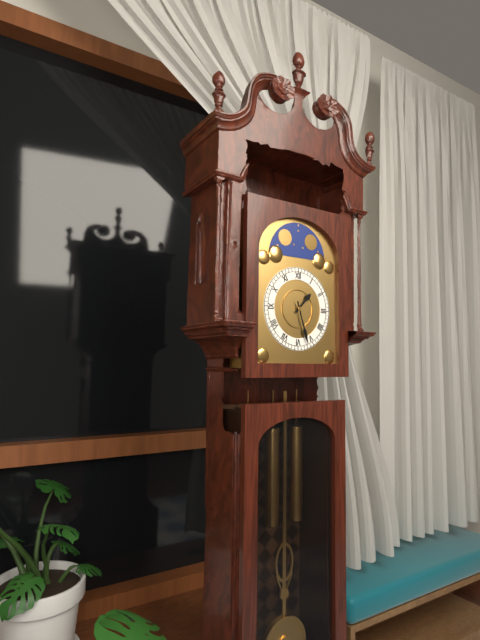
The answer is 1:27
